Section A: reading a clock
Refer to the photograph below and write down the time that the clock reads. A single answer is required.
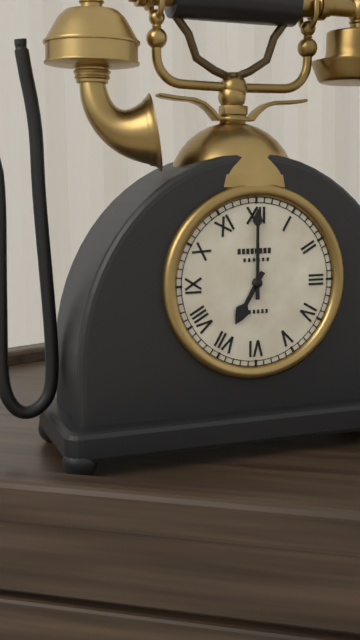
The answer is 7:00
